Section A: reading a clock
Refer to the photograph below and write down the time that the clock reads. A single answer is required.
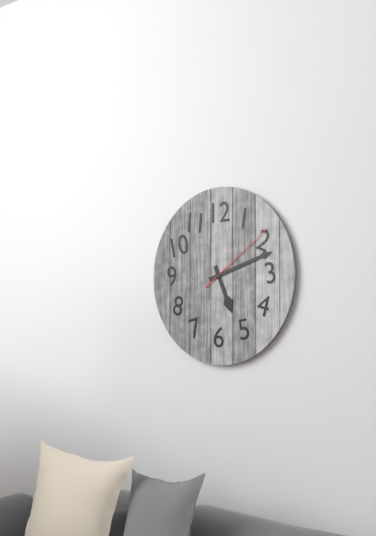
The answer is 5:12:09
